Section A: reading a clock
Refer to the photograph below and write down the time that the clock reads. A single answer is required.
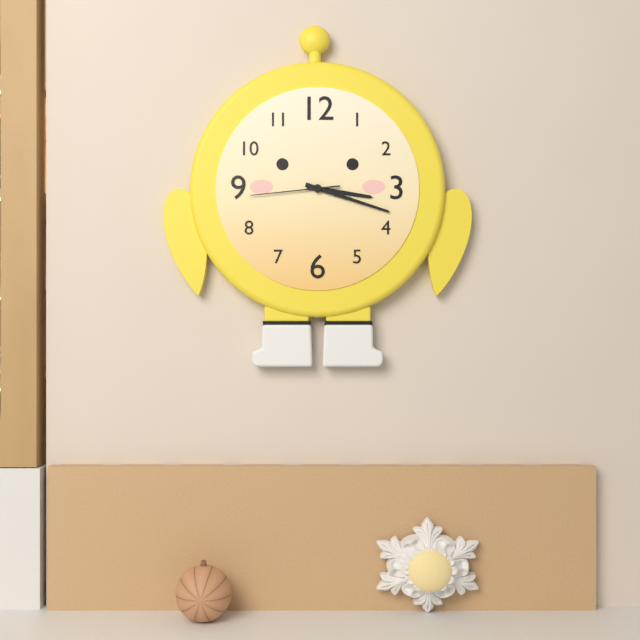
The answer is 3:18:44
